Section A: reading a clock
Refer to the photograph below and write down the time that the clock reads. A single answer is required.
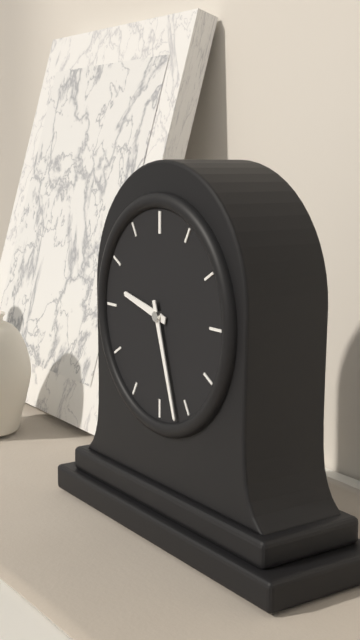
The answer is 9:27
